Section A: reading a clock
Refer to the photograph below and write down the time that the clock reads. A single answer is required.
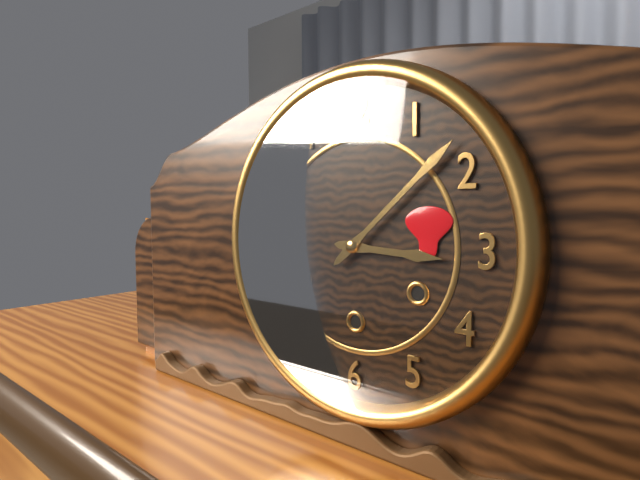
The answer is 3:08
